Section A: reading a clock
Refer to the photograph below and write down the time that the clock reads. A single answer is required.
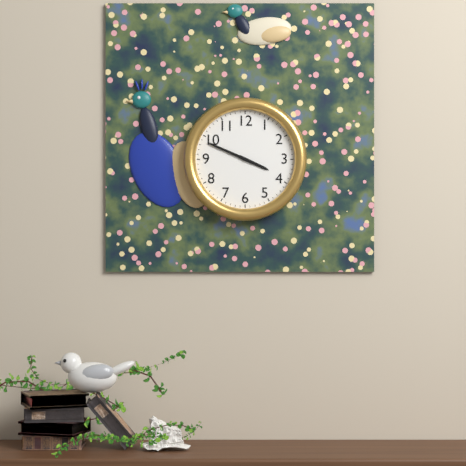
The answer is 3:49
